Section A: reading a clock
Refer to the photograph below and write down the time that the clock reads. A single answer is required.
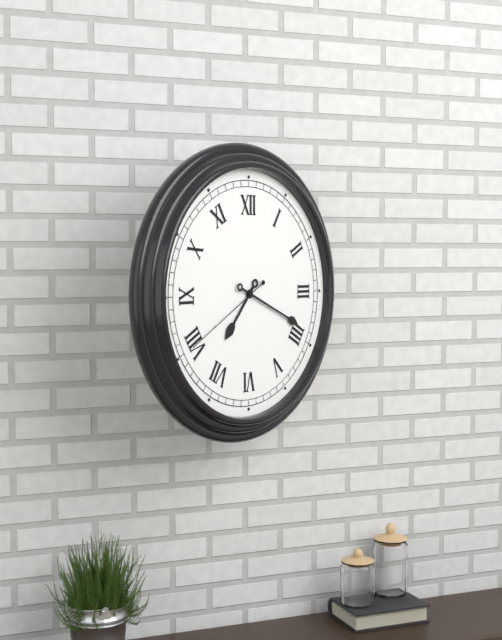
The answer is 7:19:40
